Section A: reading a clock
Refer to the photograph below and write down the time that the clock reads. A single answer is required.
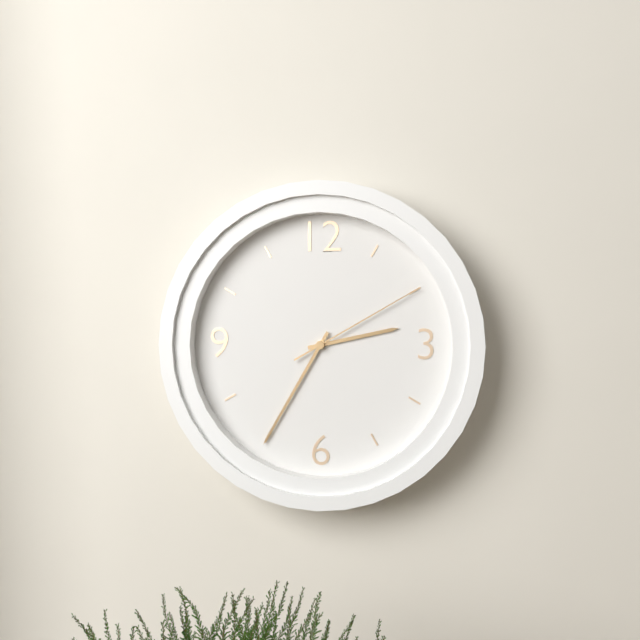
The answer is 2:35:10
